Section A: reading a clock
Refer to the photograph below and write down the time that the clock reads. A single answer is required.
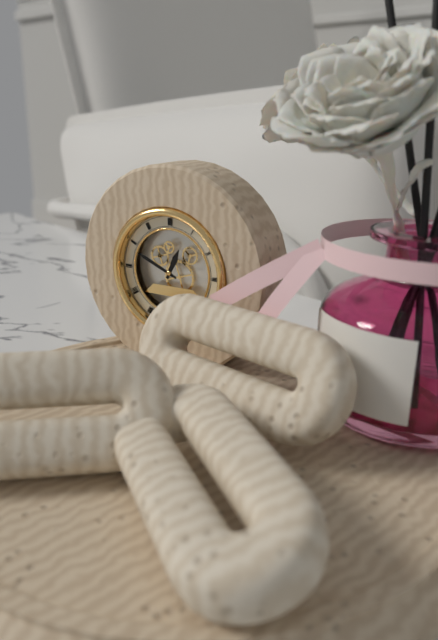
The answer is 12:49
